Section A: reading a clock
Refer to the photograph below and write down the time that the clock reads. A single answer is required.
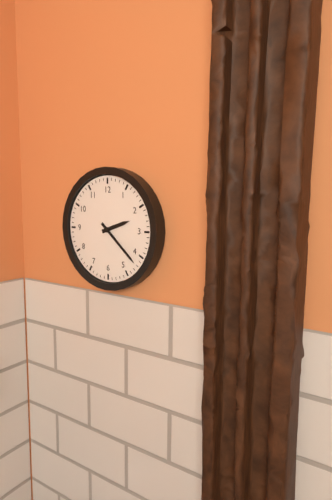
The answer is 2:22
